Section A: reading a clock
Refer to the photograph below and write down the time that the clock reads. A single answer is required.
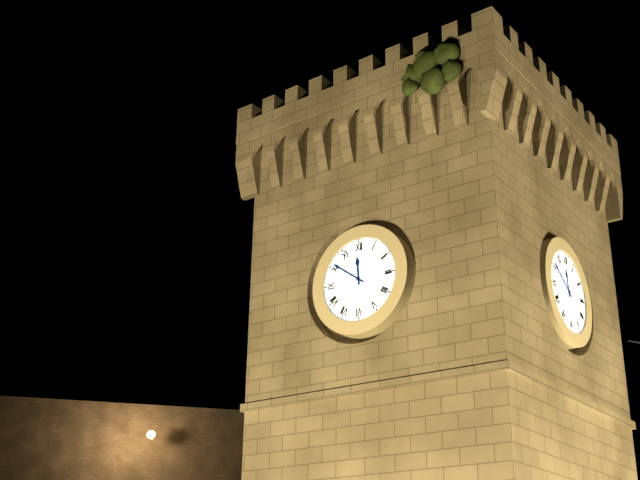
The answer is 11:51
